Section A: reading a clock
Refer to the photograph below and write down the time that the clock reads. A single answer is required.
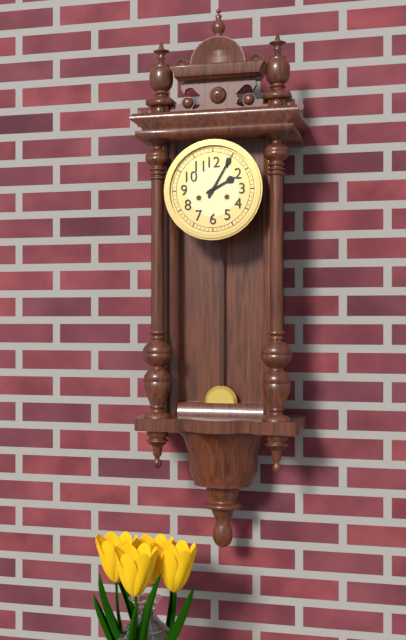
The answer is 2:05
